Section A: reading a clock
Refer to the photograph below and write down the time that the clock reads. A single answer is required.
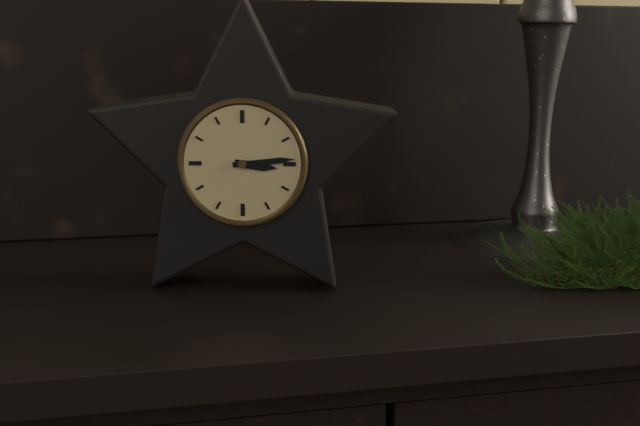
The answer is 3:14
